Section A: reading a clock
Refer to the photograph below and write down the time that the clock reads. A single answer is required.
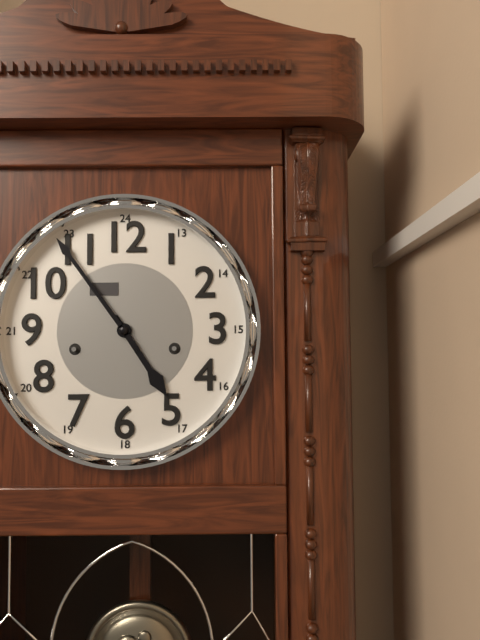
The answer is 4:54
